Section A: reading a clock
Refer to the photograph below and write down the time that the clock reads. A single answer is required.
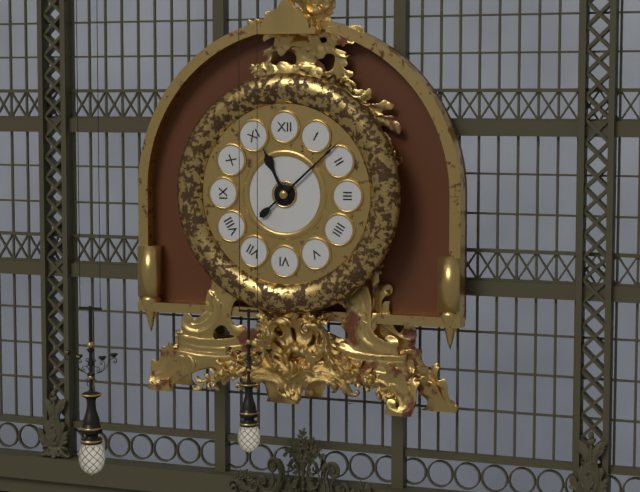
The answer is 11:08
